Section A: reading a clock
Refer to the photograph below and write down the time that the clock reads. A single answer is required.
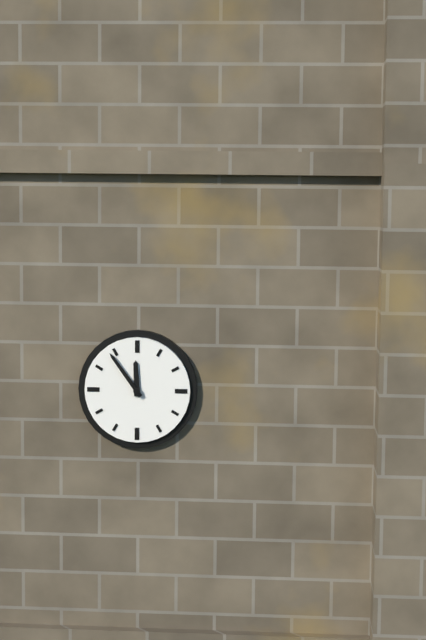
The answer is 11:54
